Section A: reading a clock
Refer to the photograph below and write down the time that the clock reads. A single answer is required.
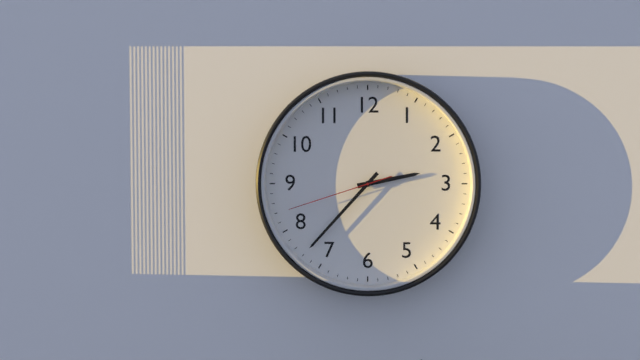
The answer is 2:37:42
